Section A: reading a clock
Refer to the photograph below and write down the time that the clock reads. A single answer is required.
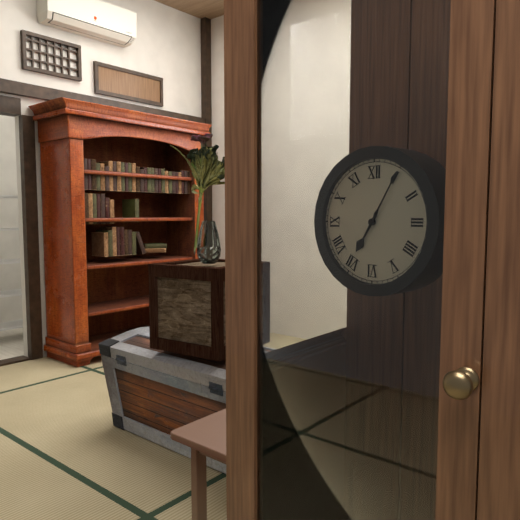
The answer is 7:05
